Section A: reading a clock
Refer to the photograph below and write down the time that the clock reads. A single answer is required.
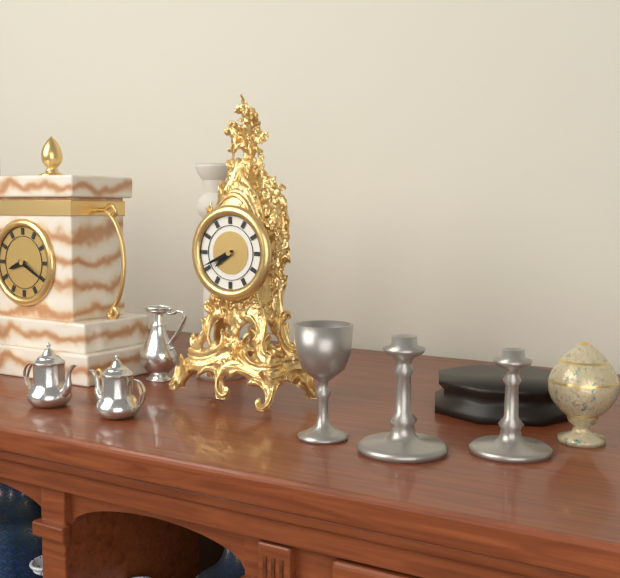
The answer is 7:41
